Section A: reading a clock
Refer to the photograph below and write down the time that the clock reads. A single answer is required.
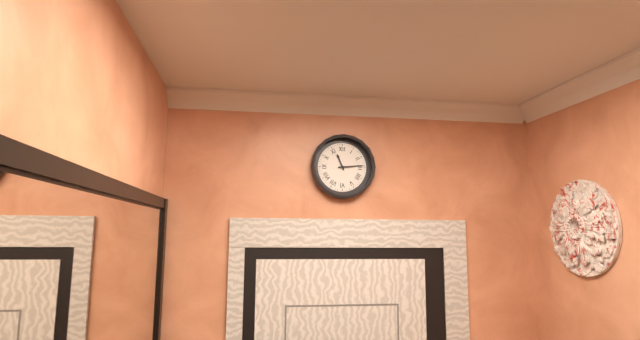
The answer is 11:14
